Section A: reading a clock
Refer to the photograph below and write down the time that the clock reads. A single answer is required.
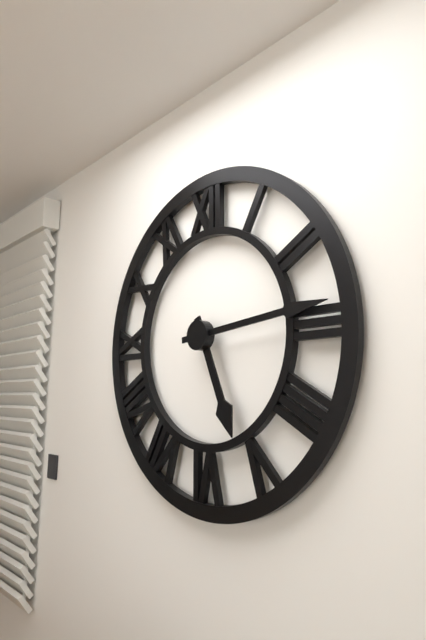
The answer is 5:14
